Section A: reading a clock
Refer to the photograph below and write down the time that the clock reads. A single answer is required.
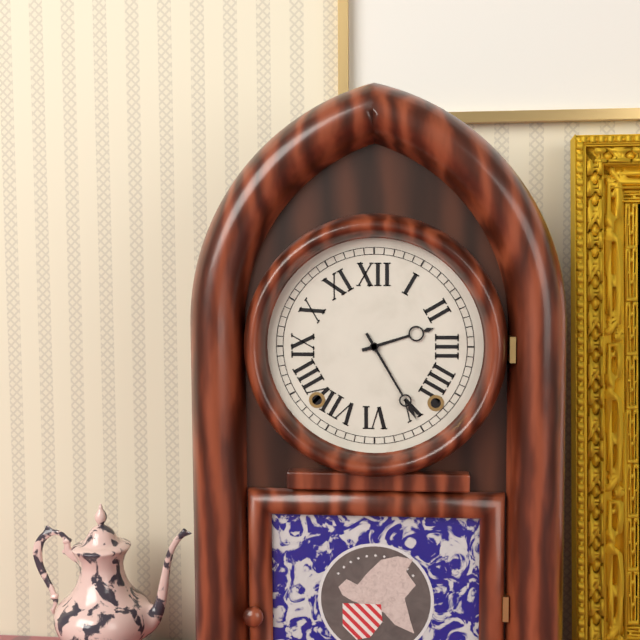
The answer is 2:25
